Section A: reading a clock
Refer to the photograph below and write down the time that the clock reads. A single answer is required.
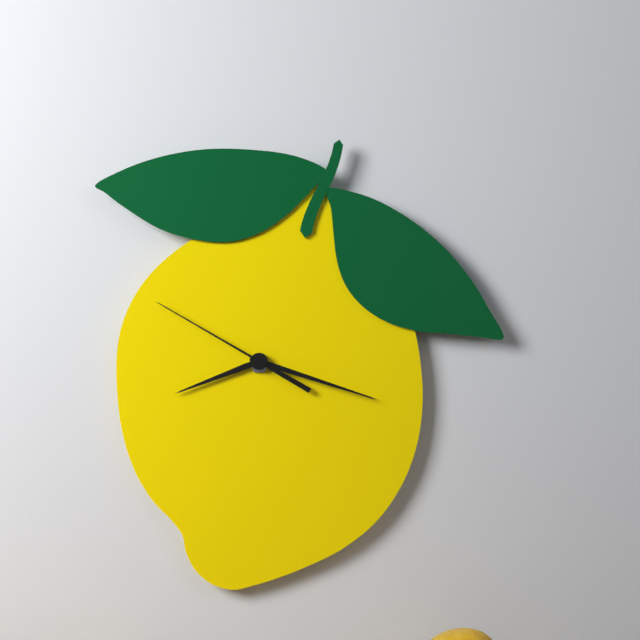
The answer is 8:18:50
